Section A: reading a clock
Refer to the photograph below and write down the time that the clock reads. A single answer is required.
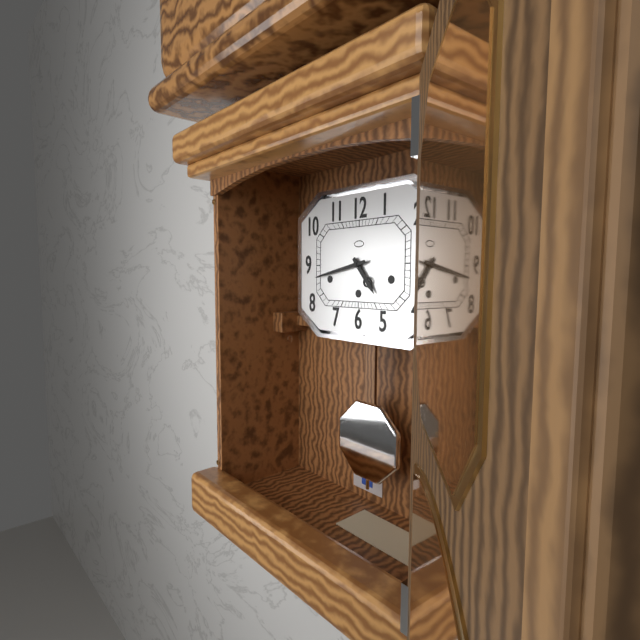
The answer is 4:43
